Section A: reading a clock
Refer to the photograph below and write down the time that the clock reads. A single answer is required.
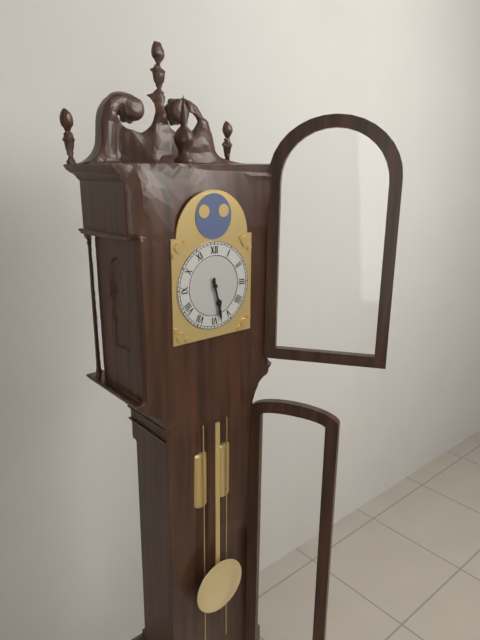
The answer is 5:28
